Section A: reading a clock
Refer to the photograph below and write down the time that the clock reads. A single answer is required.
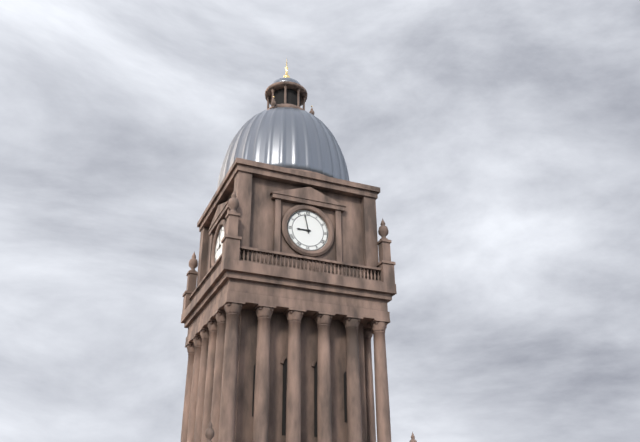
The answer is 8:58
